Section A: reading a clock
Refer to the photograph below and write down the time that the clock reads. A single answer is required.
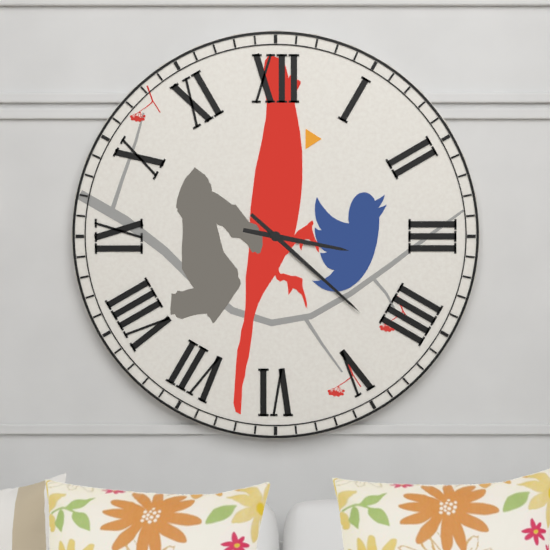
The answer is 3:22
